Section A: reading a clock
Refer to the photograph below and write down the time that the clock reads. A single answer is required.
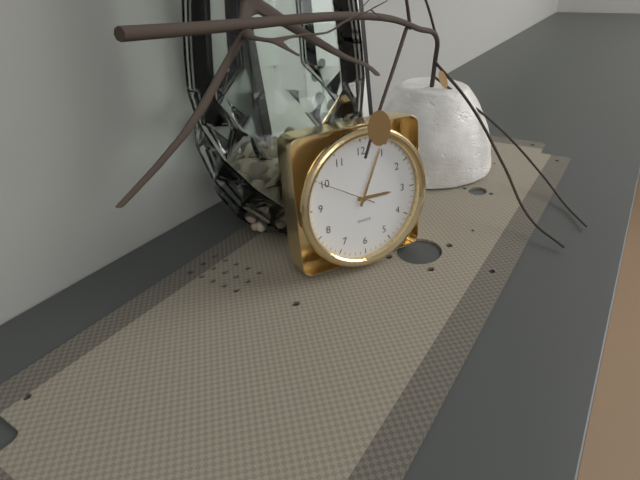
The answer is 3:04:50
